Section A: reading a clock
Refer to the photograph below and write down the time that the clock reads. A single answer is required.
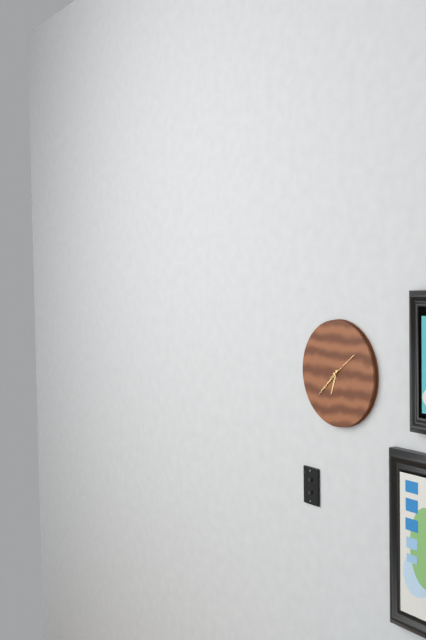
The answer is 6:38
